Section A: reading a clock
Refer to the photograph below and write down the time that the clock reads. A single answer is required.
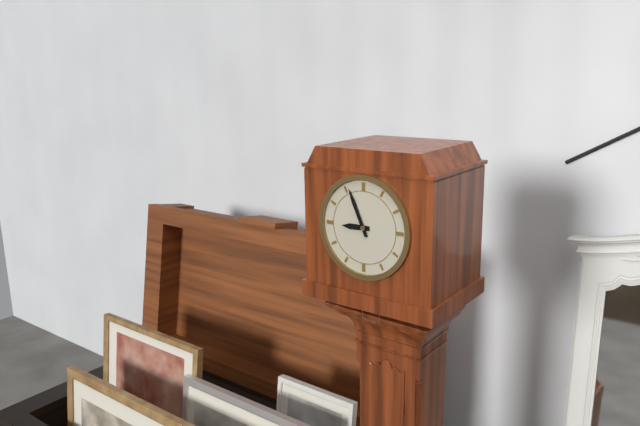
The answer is 8:56
